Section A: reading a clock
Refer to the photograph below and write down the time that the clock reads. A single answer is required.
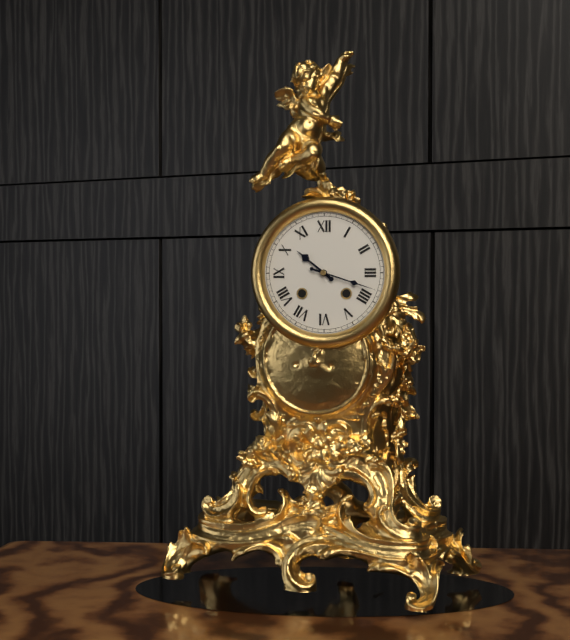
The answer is 10:18
